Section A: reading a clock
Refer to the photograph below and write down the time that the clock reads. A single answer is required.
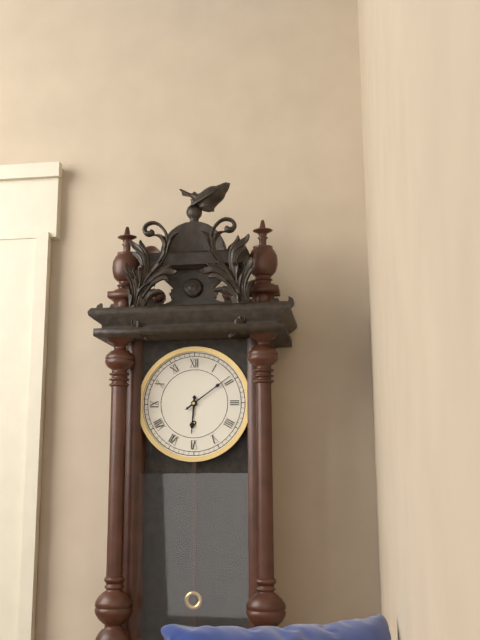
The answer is 6:09
